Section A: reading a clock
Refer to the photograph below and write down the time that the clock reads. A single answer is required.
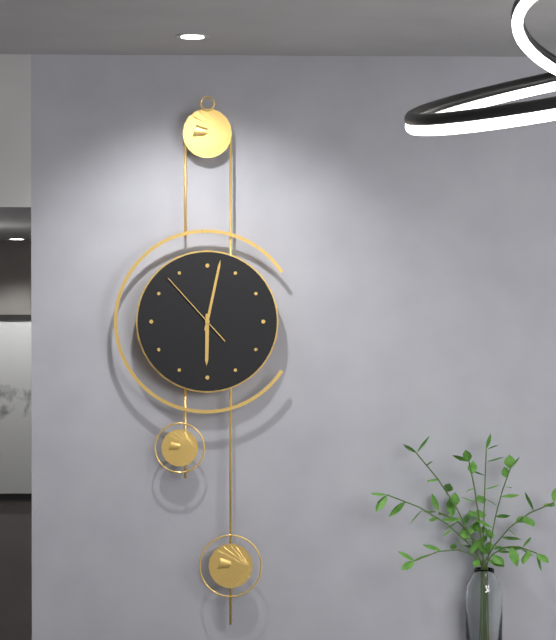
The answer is 6:02:53
